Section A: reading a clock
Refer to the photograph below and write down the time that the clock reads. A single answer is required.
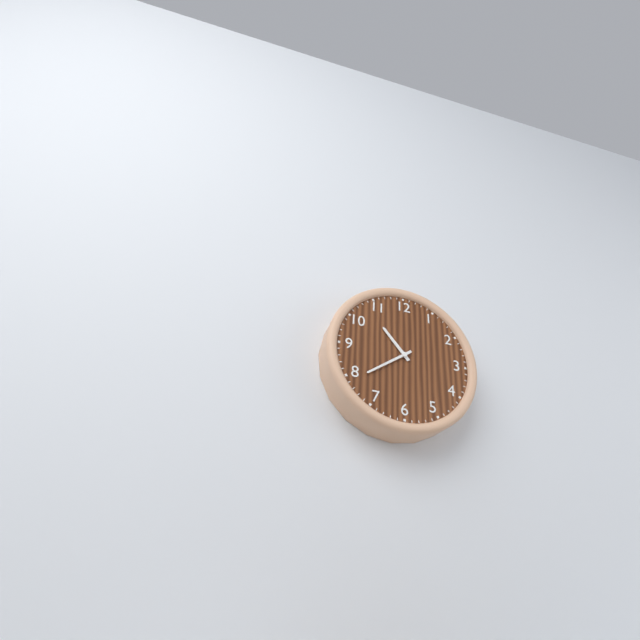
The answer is 10:39
